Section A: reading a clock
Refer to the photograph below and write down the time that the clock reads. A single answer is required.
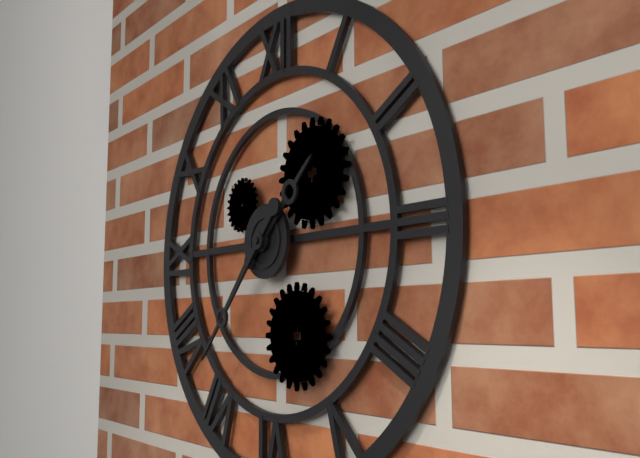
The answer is 1:37
